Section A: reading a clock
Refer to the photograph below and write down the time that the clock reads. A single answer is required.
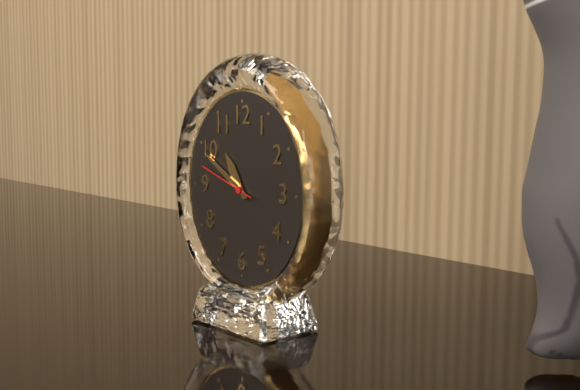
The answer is 10:50:48
